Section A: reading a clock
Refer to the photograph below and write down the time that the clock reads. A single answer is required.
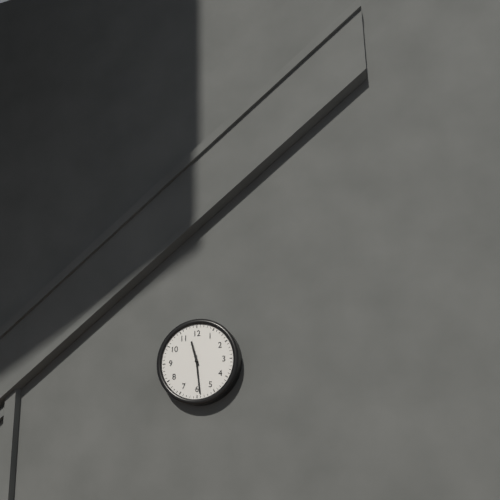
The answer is 11:29
